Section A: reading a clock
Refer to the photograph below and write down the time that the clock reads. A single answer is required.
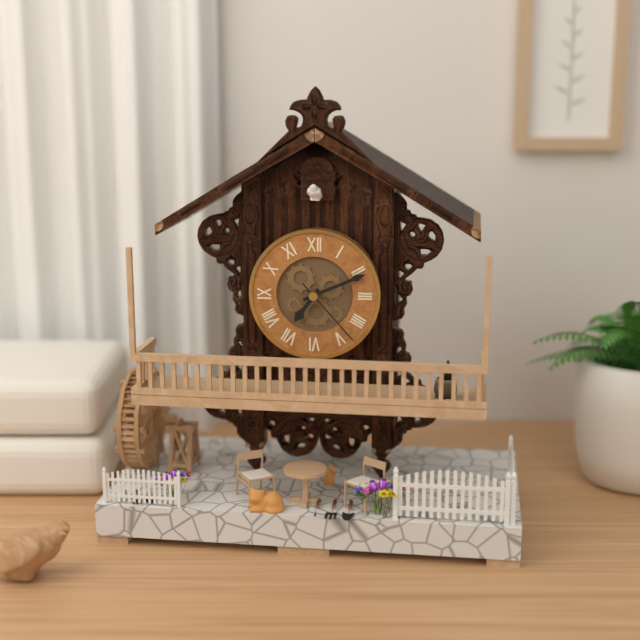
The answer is 7:11:23
